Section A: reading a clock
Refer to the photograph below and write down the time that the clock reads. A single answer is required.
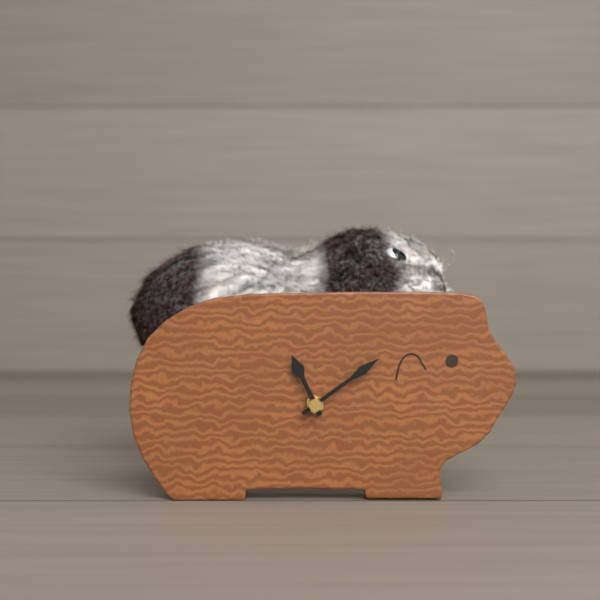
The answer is 11:09
